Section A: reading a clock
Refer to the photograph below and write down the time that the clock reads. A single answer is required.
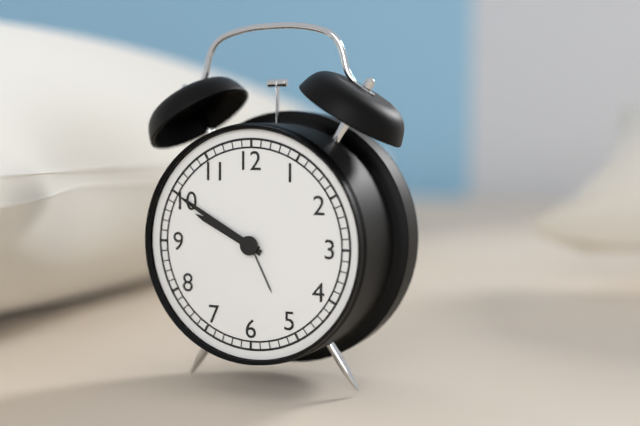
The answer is 9:50
